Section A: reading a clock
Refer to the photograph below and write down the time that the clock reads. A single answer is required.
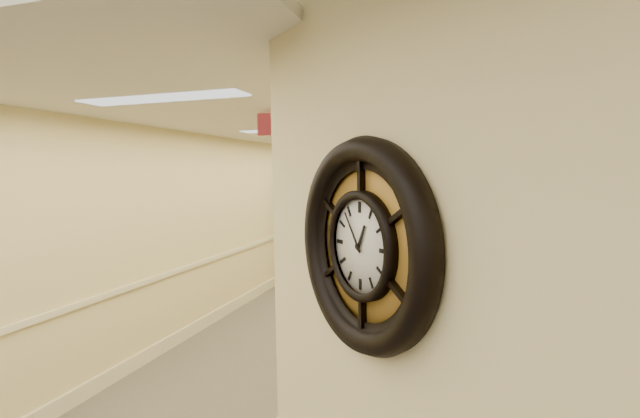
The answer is 12:54
